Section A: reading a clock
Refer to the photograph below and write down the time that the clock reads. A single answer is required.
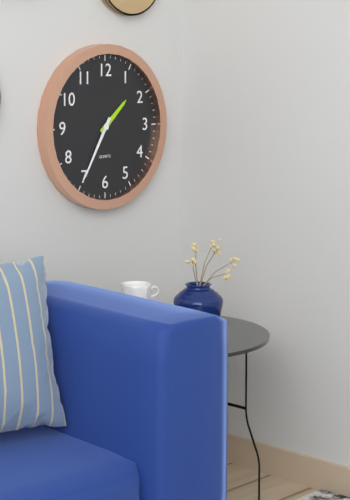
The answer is 1:35
